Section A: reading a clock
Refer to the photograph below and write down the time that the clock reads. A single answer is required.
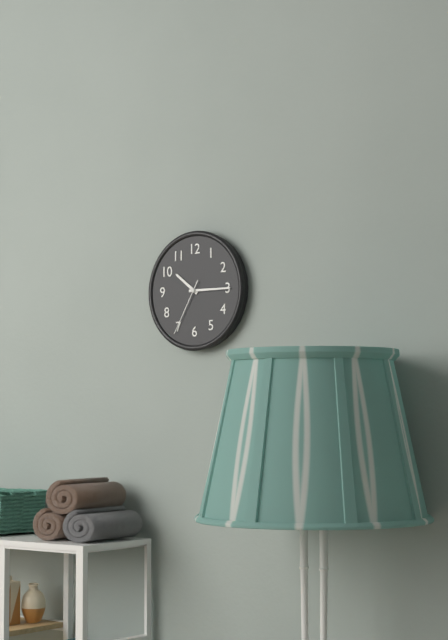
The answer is 10:15:35
